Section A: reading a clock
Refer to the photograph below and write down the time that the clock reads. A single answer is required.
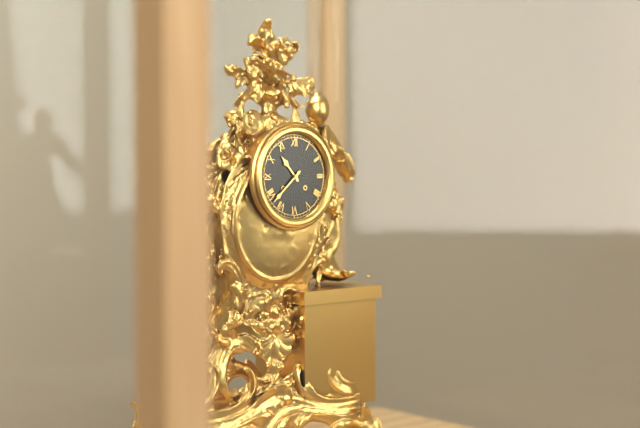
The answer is 10:38
